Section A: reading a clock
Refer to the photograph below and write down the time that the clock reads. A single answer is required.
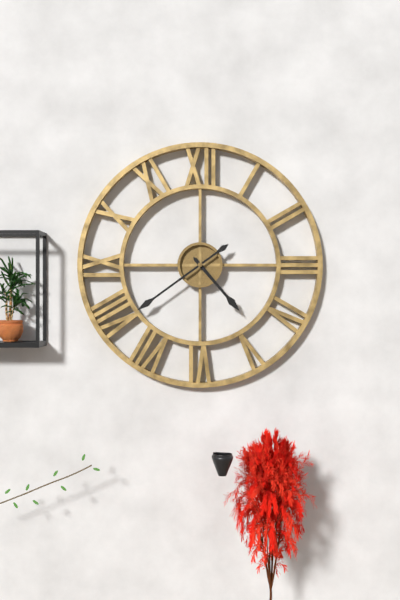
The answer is 4:39
